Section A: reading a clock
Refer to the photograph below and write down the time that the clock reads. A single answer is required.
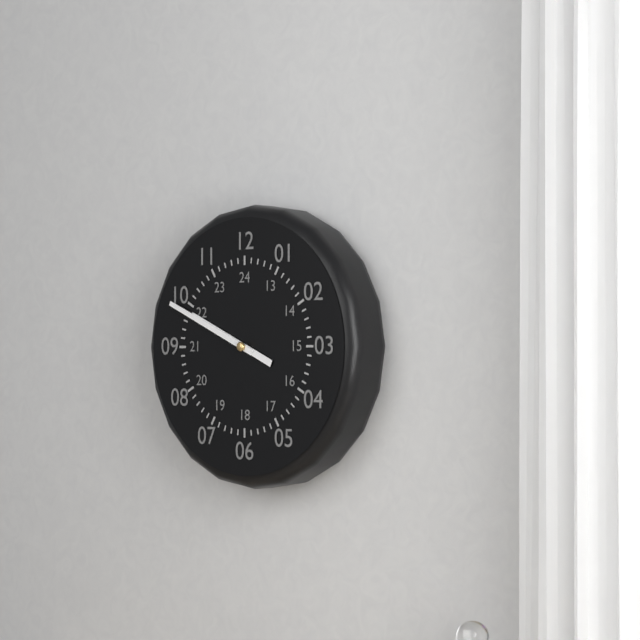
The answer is 9:49
